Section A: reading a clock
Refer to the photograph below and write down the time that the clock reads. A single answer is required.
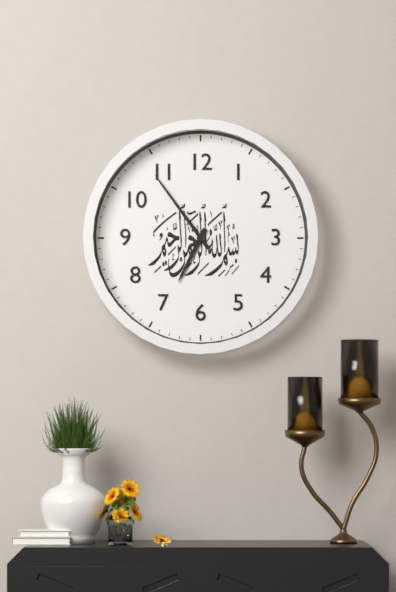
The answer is 6:54
